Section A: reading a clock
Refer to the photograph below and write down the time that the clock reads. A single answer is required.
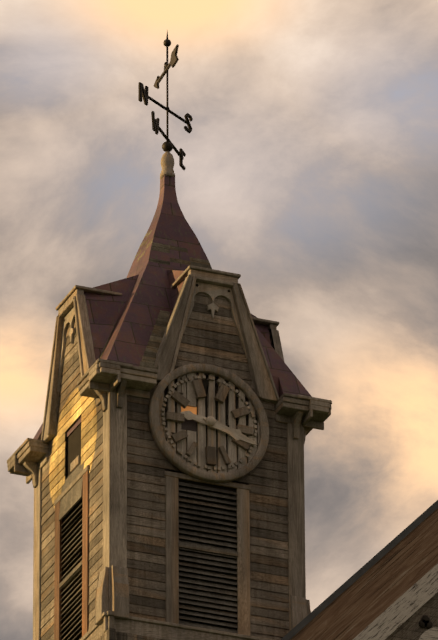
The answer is 9:18
